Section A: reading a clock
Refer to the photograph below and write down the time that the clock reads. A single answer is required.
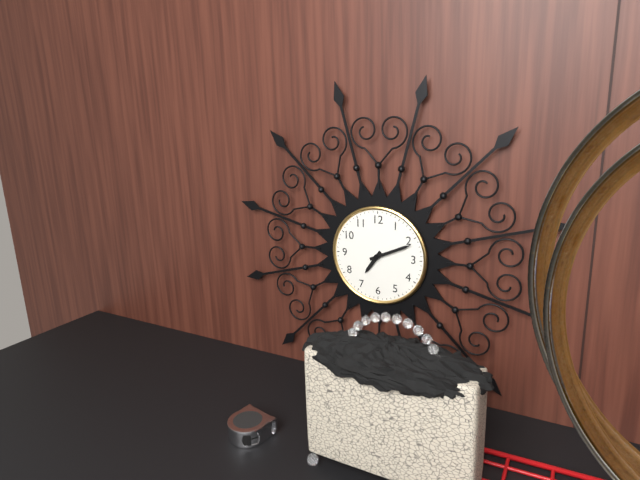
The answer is 7:11
